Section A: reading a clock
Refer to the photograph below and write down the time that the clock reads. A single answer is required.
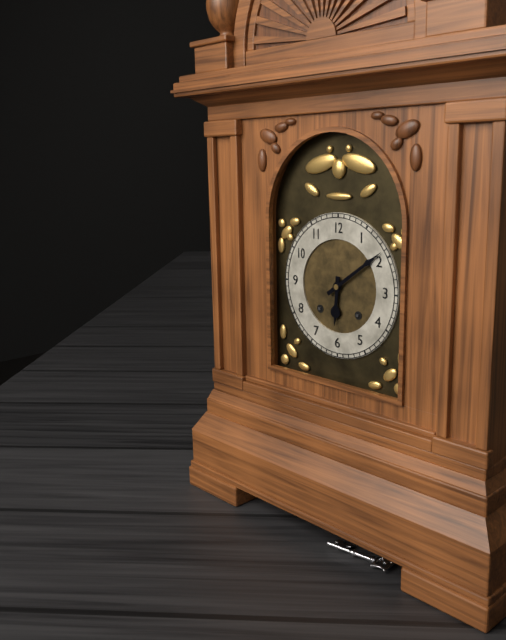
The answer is 6:09
